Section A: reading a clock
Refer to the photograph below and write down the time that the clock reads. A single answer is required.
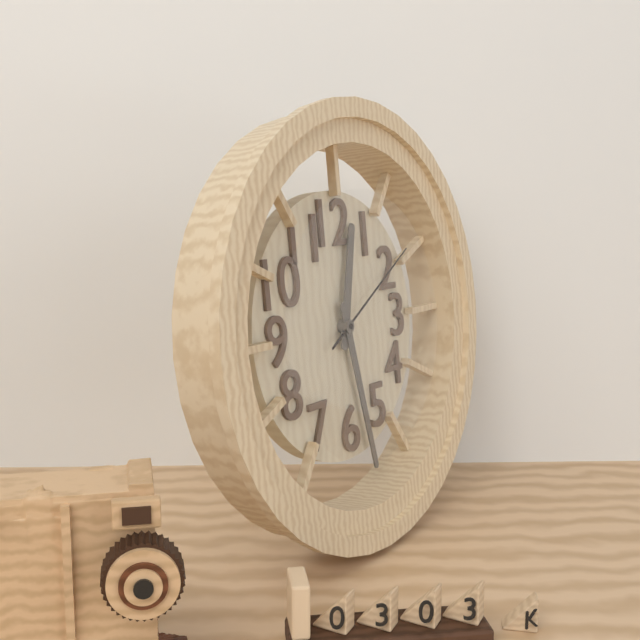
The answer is 12:28:10
